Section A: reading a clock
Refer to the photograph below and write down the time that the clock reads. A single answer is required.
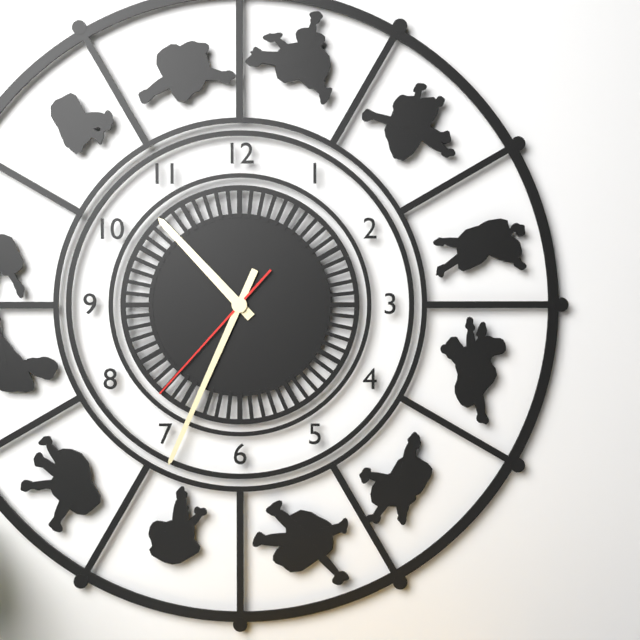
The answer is 10:34:37
